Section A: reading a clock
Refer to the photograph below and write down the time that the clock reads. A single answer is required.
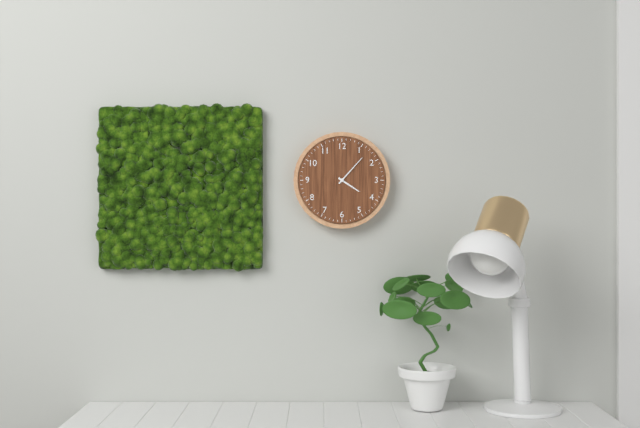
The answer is 4:07
